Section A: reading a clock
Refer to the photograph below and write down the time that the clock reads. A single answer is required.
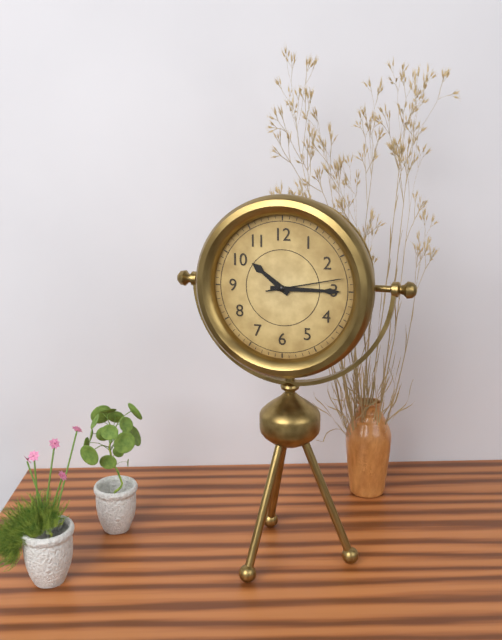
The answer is 10:15:13
